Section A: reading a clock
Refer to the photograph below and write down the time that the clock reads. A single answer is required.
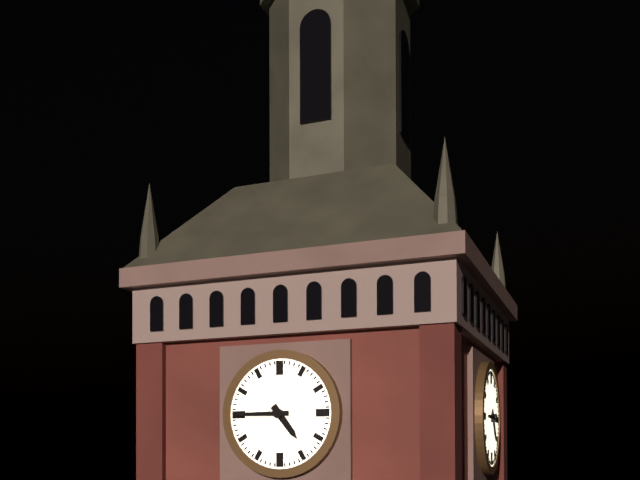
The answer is 4:45
